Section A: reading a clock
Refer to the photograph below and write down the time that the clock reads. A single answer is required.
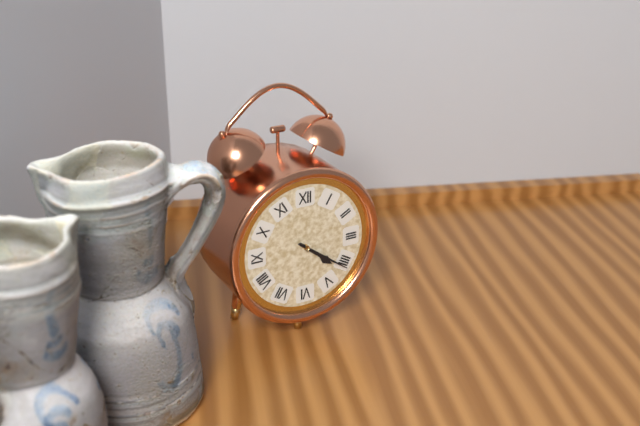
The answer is 4:21
